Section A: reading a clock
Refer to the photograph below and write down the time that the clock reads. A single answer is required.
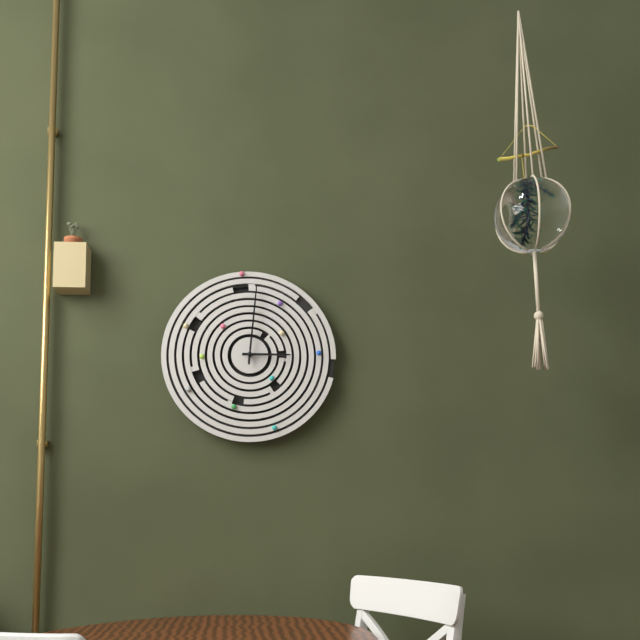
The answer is 3:01
